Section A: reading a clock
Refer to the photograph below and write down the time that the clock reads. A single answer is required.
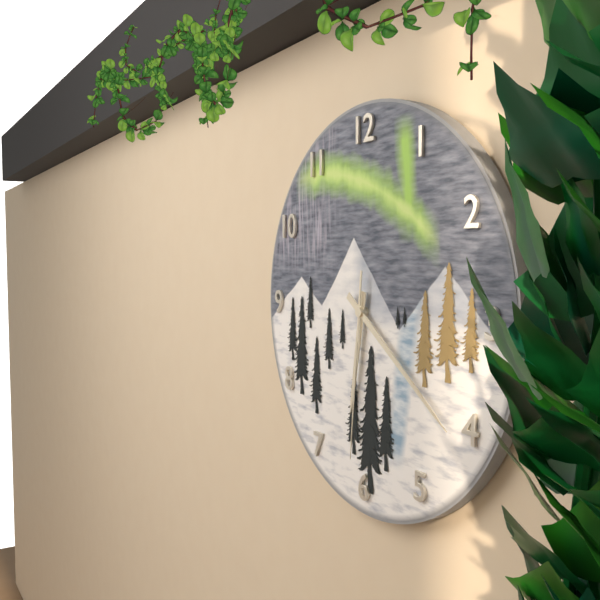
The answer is 6:21:31
